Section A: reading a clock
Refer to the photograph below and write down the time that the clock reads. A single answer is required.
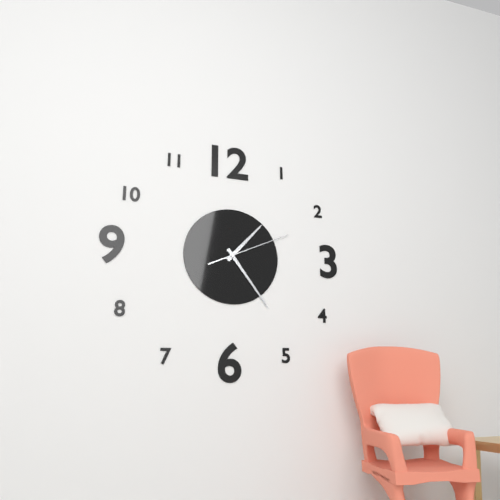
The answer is 1:24:11
